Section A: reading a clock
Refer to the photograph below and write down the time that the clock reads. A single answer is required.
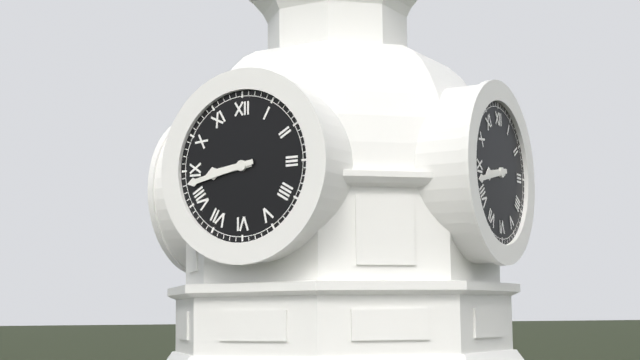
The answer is 8:43
